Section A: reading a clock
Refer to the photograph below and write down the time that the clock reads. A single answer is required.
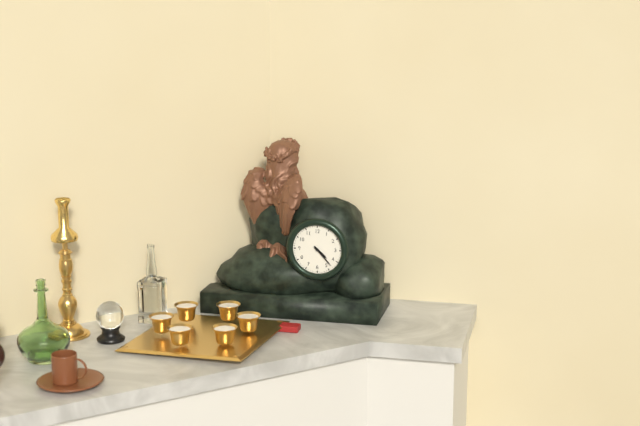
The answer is 4:23
